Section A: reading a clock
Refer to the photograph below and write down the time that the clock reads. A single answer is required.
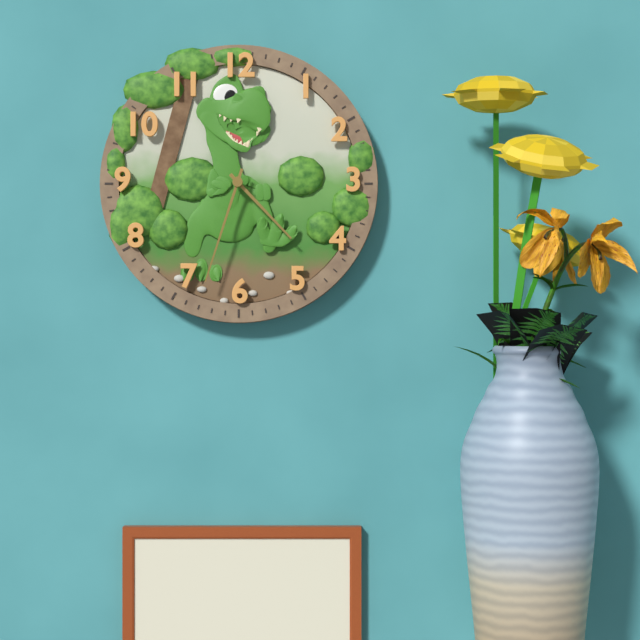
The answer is 4:33
